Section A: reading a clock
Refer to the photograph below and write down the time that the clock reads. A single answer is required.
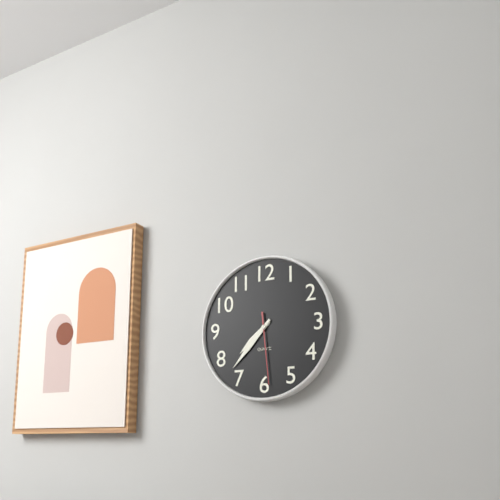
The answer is 7:37:29
